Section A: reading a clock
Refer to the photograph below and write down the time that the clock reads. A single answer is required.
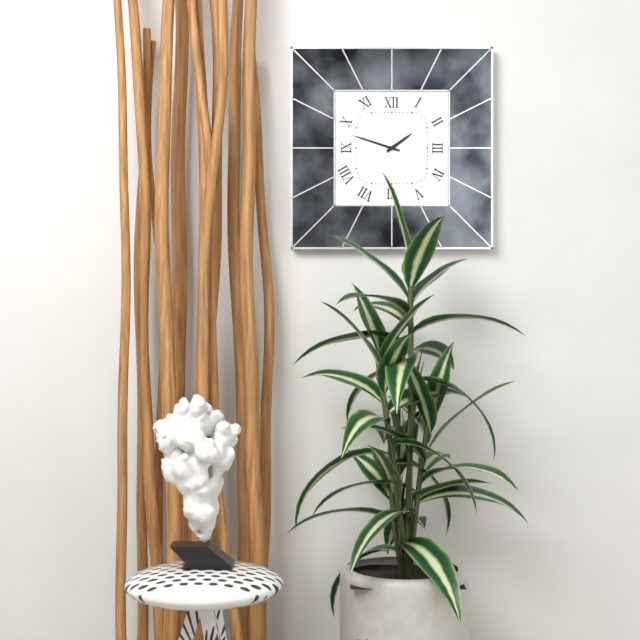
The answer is 1:48
